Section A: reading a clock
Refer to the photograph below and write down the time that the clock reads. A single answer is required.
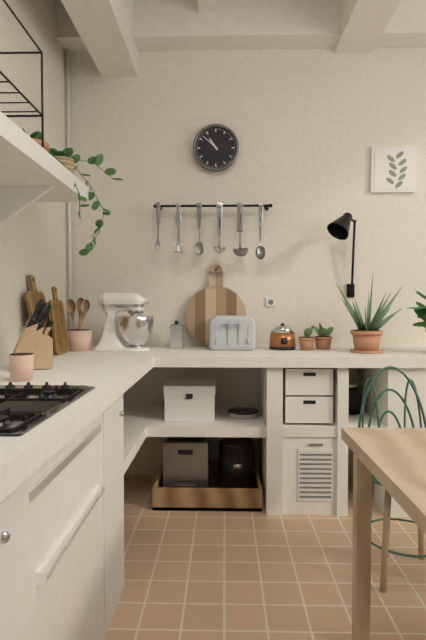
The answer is 10:52
